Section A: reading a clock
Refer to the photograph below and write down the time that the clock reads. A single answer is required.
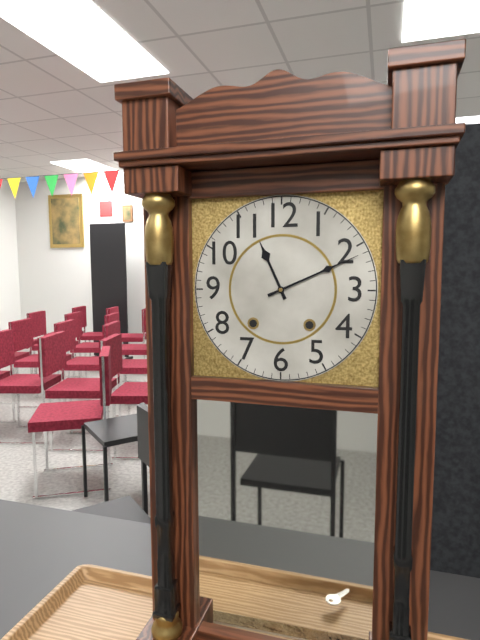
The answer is 11:11
